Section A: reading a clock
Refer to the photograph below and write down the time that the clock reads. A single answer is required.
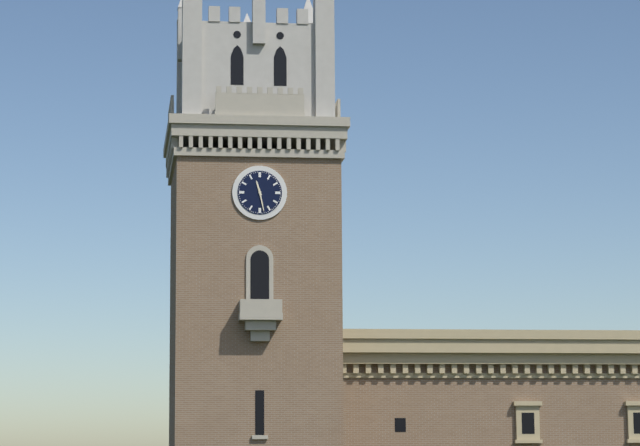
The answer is 11:28
